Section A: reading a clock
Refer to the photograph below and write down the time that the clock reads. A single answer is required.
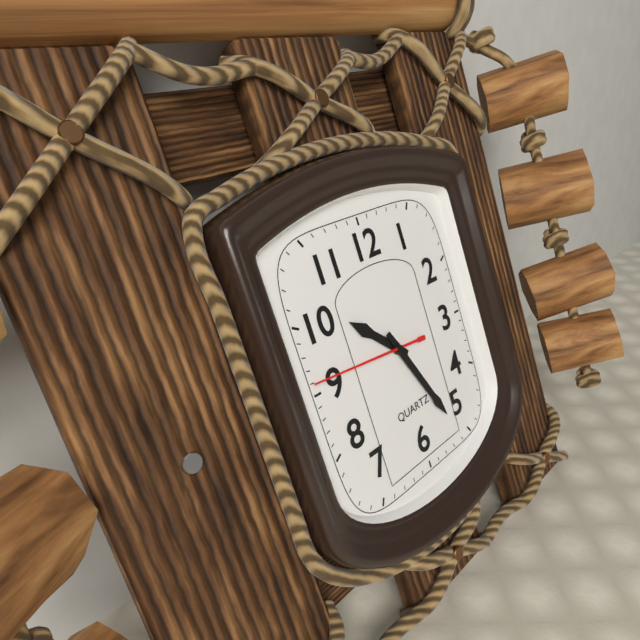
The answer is 10:26:46
